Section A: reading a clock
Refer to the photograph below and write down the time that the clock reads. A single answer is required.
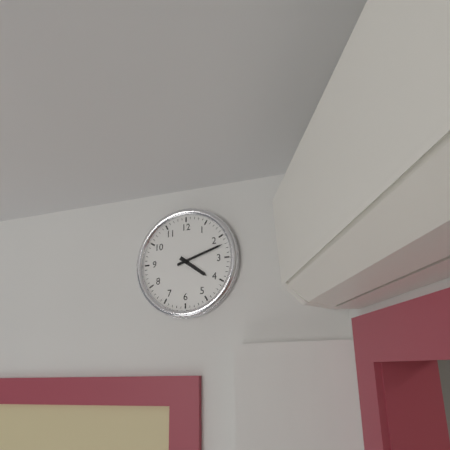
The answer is 4:12
